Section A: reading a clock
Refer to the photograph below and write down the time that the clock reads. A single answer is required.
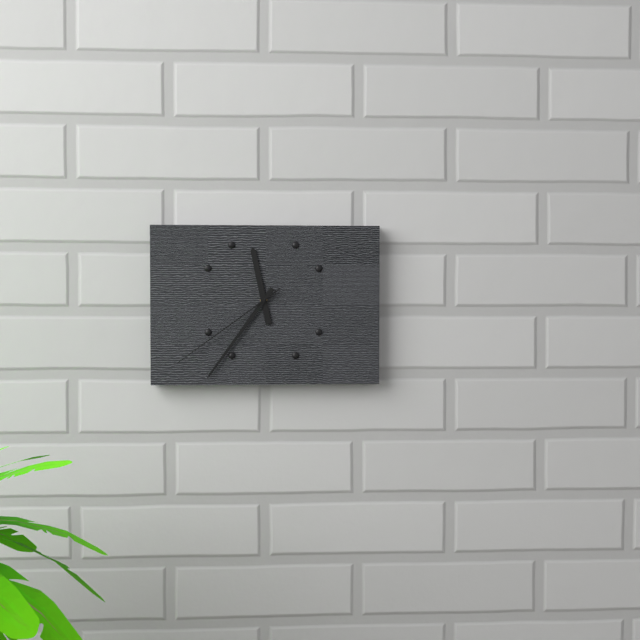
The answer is 11:36:39
